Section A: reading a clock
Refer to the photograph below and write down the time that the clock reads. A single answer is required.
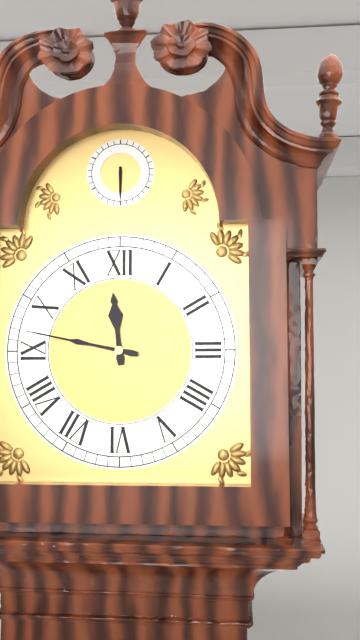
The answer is 11:47
